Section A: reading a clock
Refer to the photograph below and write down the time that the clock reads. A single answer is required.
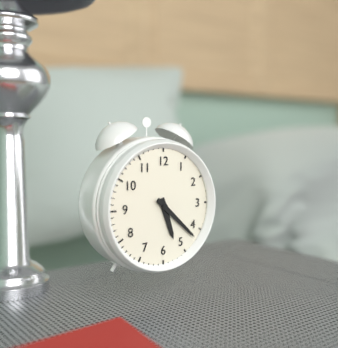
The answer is 5:22
